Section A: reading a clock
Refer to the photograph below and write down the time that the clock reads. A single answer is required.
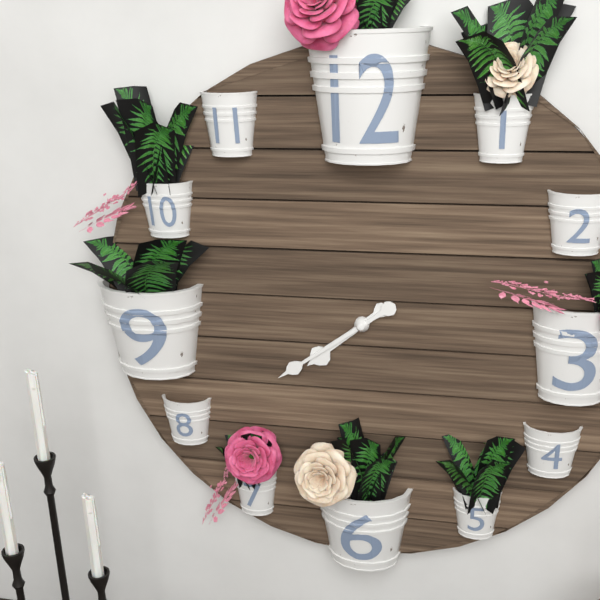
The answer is 7:39
